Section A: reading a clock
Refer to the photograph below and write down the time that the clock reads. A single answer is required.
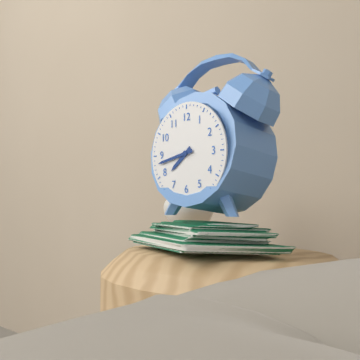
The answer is 7:43
